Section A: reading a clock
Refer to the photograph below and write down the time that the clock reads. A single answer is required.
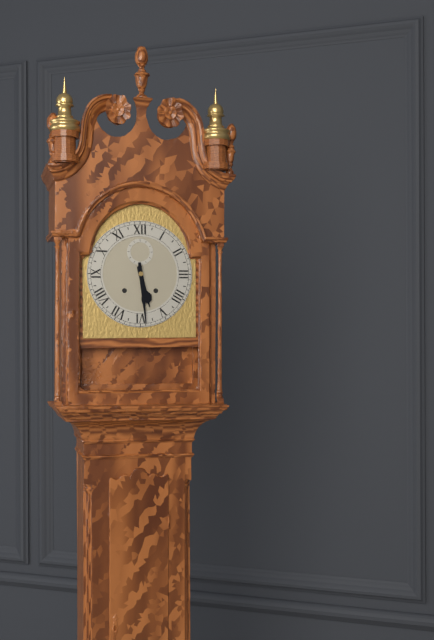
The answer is 5:29
